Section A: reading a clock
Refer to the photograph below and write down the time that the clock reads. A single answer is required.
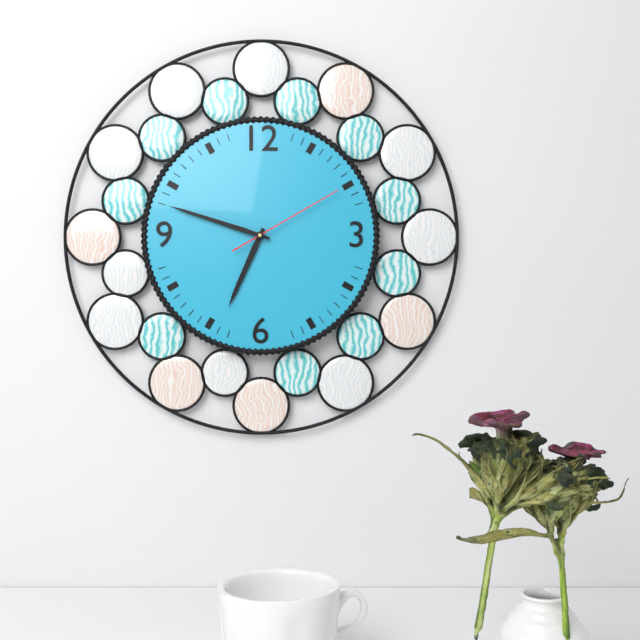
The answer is 6:48:10
